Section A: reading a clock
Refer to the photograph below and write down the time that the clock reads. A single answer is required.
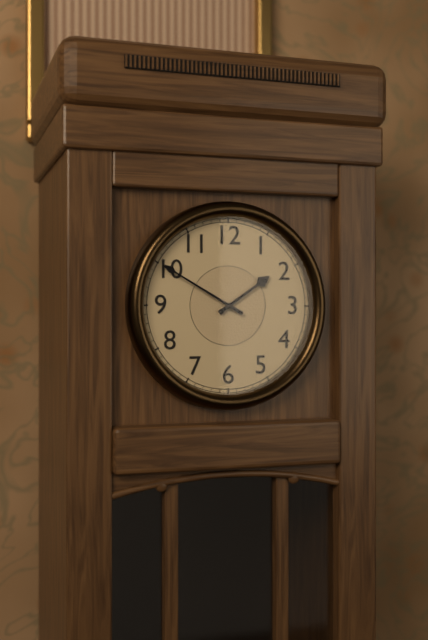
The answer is 1:50
